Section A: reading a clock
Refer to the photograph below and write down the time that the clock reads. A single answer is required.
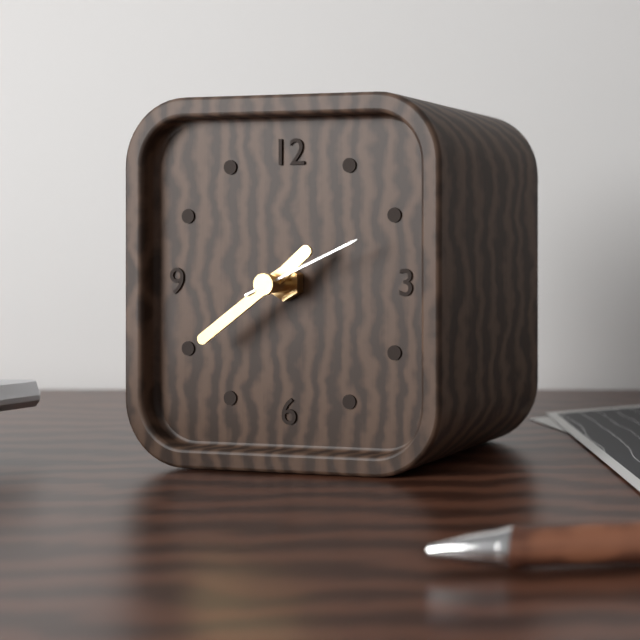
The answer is 1:39:11
